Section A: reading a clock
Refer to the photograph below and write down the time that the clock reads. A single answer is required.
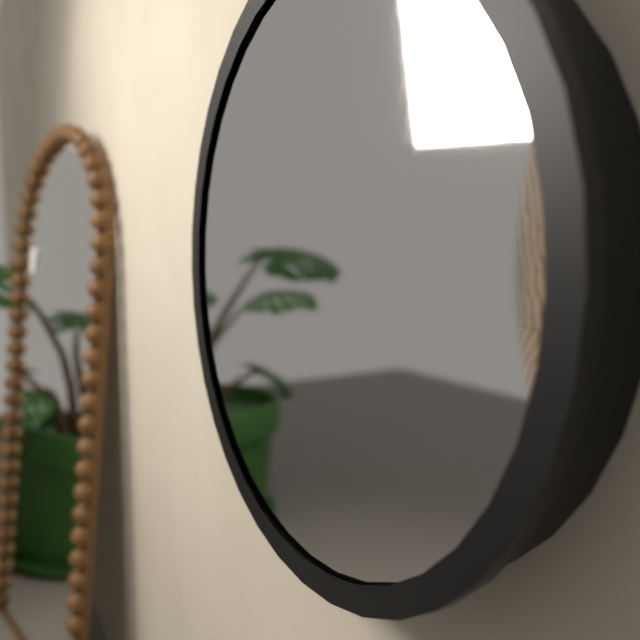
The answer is 10:45
